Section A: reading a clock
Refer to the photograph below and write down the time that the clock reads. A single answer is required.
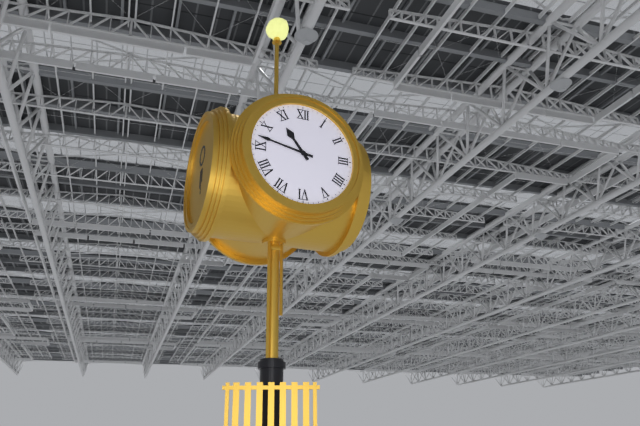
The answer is 10:47
